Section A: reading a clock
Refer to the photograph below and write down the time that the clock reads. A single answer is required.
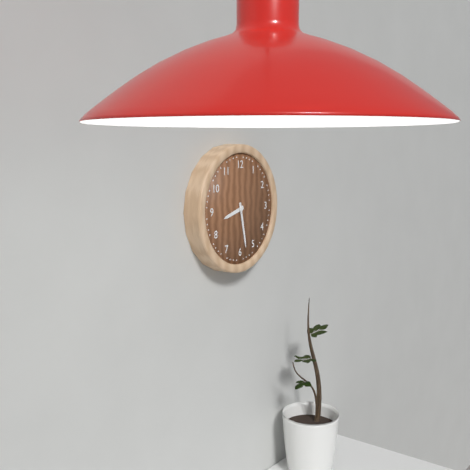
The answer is 8:28
